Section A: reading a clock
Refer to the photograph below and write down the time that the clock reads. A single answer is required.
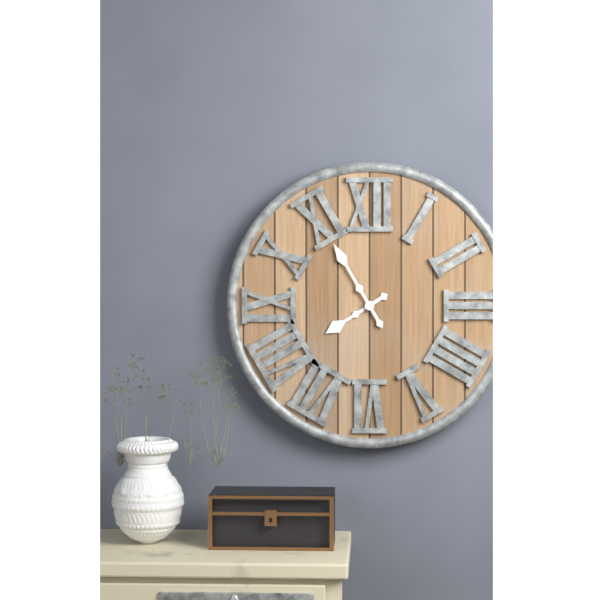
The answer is 7:55
